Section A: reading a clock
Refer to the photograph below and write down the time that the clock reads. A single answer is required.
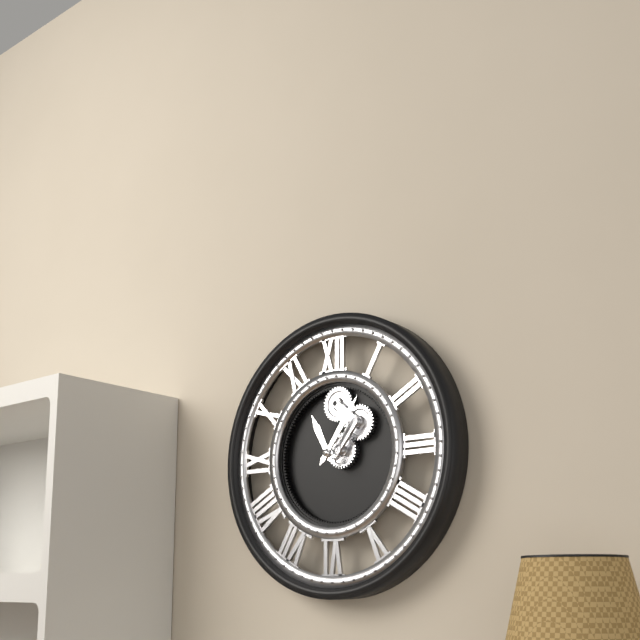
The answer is 11:06
